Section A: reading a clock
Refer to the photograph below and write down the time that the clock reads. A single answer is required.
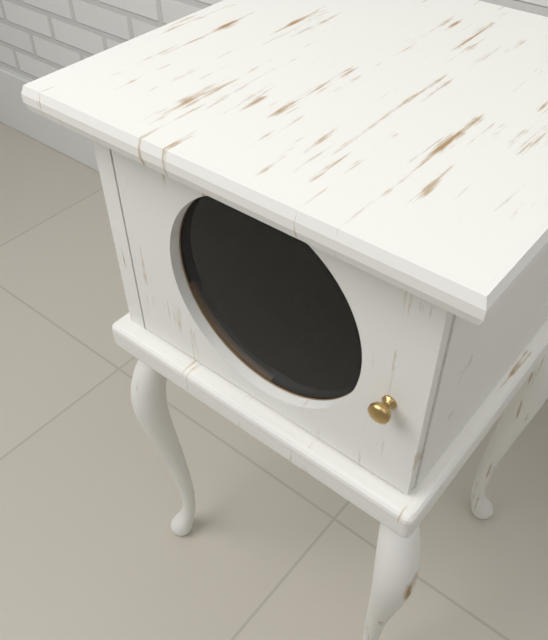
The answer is 8:17:54
